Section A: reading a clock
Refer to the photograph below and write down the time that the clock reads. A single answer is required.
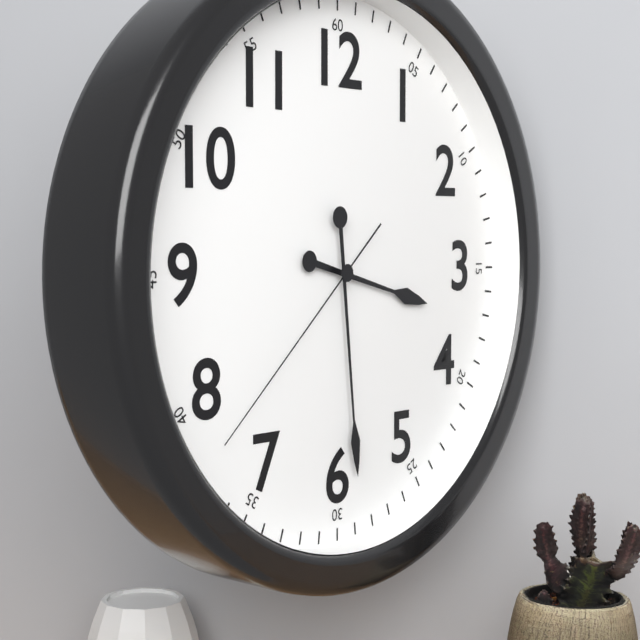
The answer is 3:29:38
